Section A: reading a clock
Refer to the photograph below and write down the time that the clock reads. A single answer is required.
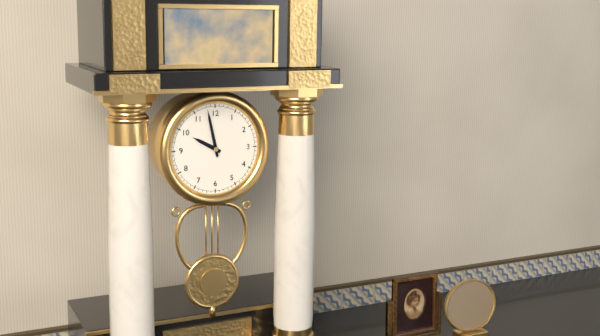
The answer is 9:58
